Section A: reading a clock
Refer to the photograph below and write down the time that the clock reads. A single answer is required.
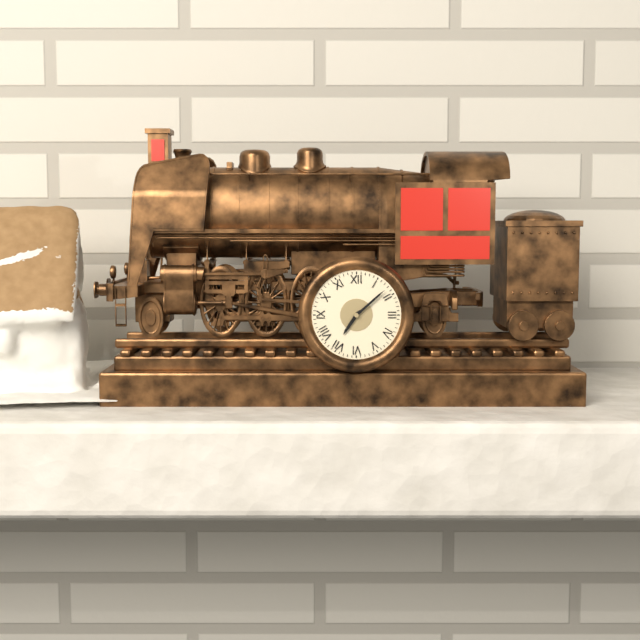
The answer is 7:08
